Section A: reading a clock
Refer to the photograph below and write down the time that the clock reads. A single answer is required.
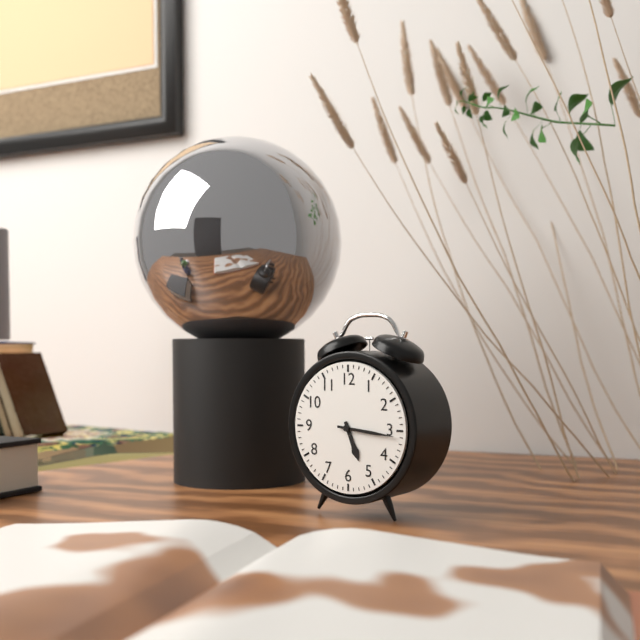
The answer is 5:16
